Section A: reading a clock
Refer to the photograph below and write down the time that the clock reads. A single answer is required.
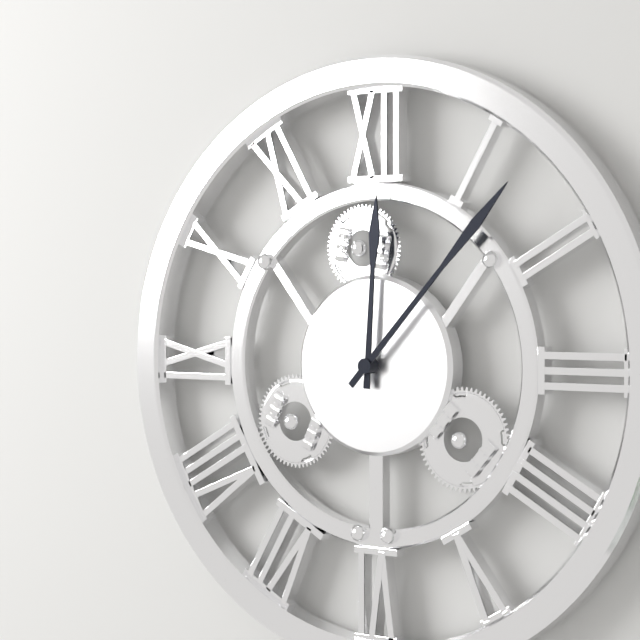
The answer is 12:07
